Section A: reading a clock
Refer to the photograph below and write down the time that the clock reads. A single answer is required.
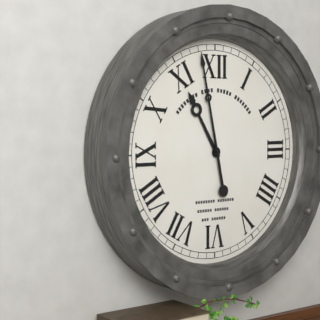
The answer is 10:58
